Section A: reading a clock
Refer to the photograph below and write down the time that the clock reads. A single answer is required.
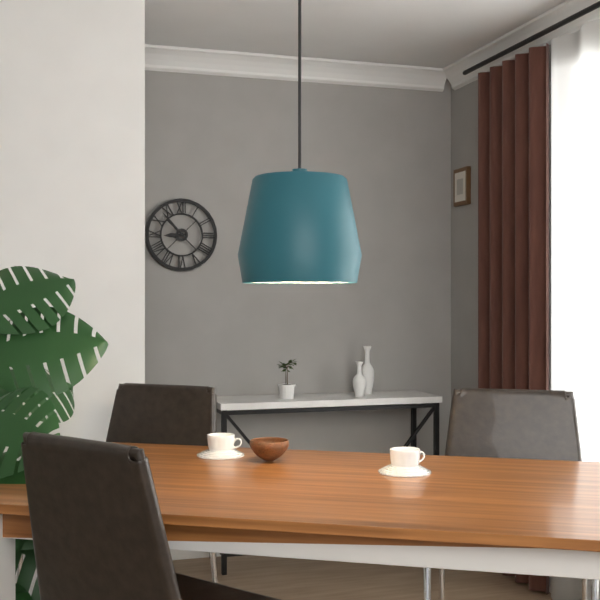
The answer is 8:53
